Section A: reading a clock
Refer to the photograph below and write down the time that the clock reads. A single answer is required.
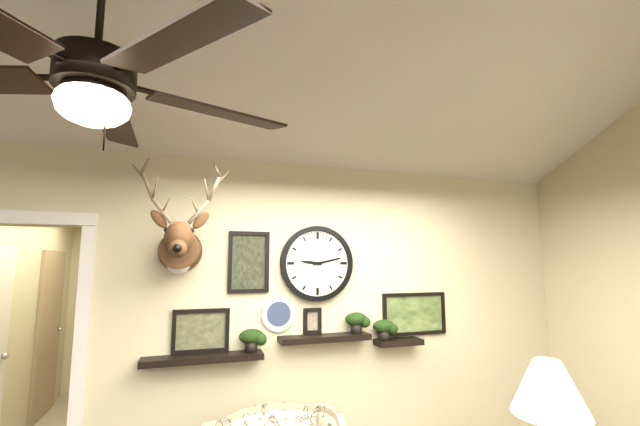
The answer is 9:13
